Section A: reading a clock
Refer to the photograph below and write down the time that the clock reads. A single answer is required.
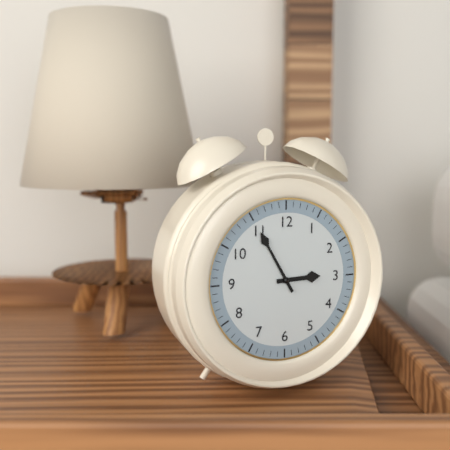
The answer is 2:55
